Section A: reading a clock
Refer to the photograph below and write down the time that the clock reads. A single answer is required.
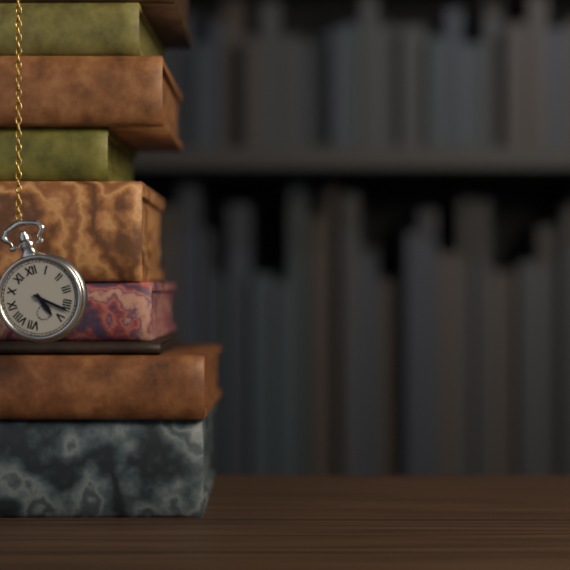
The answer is 5:22
